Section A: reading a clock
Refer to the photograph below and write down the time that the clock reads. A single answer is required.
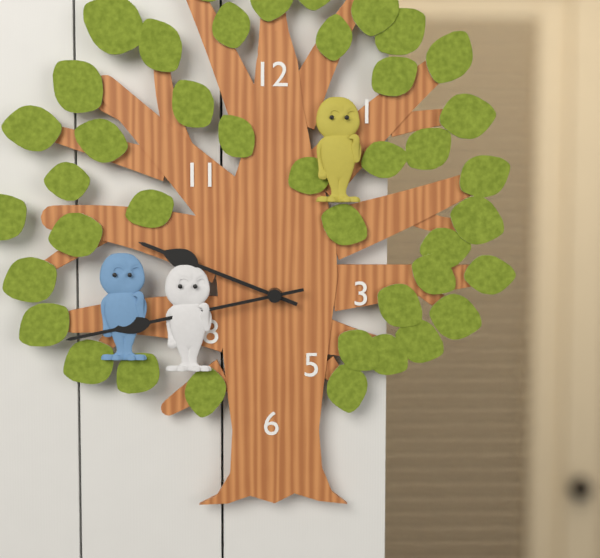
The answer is 9:43
